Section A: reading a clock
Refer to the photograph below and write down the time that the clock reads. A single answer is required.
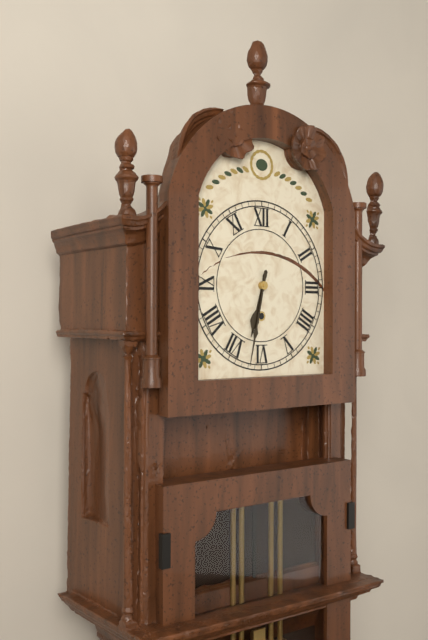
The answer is 6:32
